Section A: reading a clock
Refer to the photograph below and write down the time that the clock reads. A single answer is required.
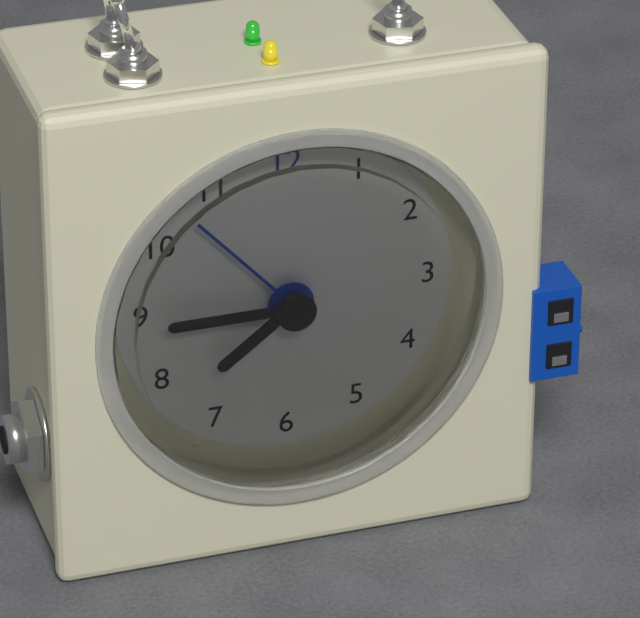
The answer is 7:45:53
